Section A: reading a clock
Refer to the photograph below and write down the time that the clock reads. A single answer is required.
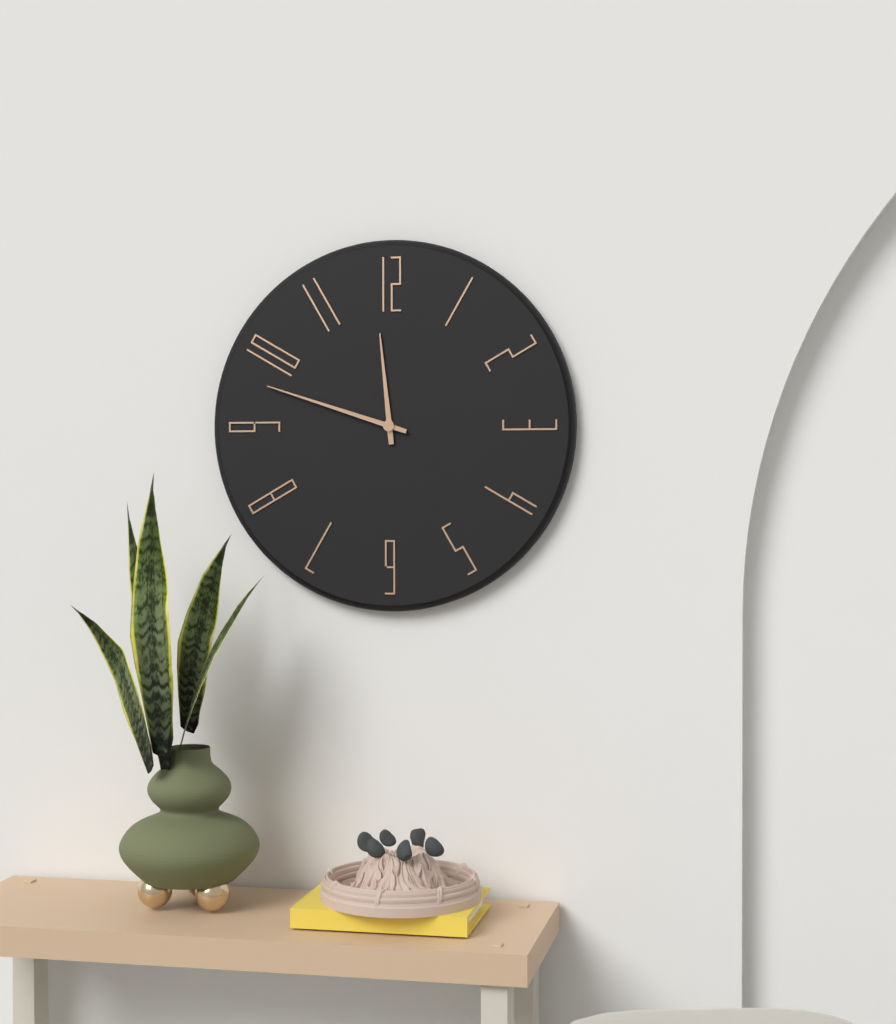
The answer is 11:48
